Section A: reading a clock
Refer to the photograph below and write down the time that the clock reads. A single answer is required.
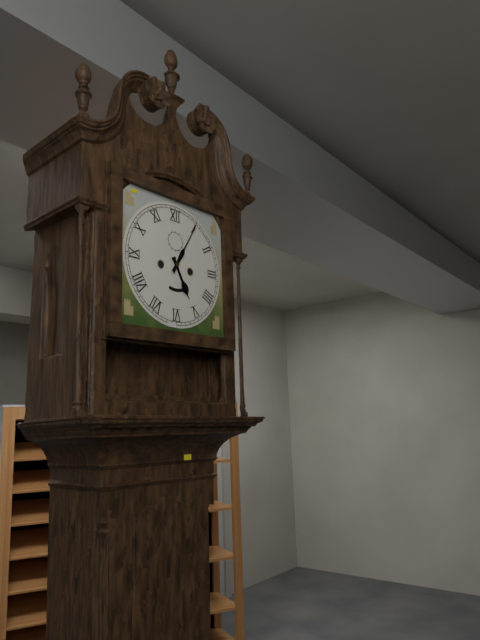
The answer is 5:05
